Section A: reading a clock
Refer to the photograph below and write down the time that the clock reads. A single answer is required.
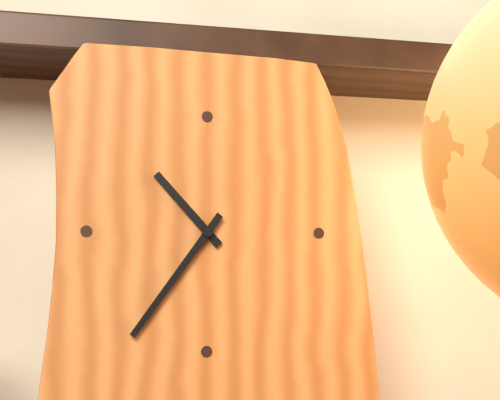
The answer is 10:36
